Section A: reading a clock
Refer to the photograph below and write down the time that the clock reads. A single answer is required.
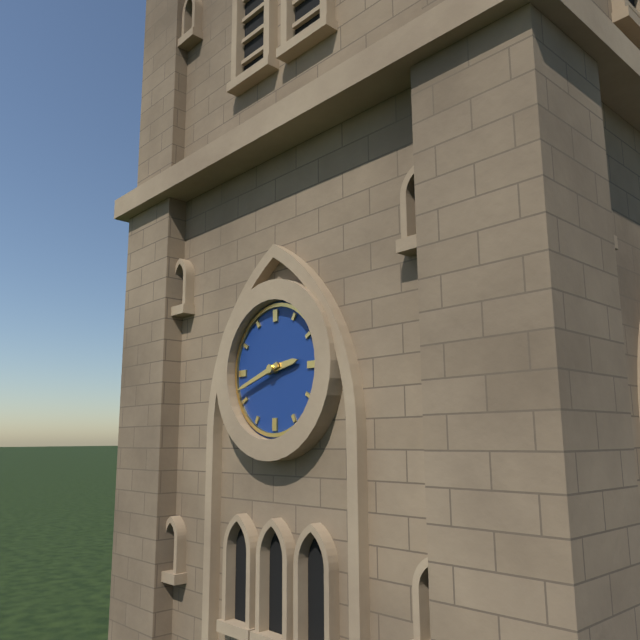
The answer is 2:42
